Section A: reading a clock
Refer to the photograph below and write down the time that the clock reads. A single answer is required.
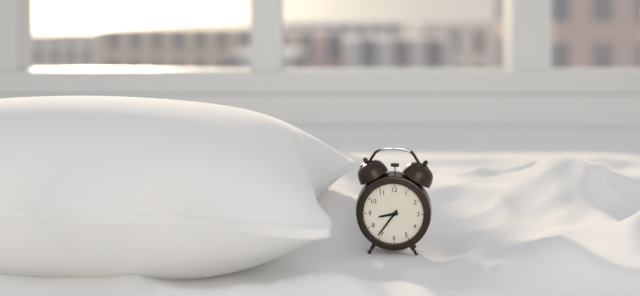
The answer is 8:36
